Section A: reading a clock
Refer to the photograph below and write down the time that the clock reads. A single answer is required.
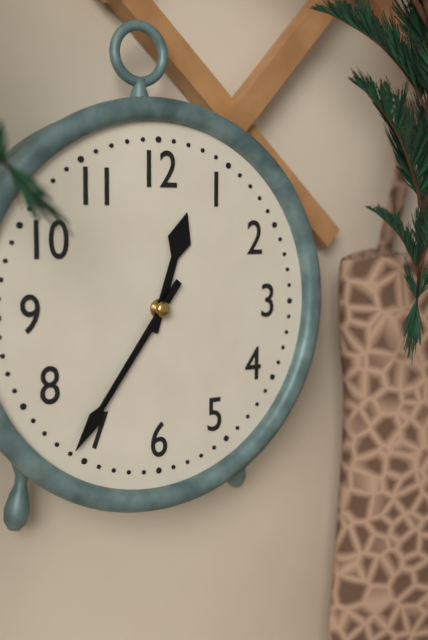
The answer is 12:36
